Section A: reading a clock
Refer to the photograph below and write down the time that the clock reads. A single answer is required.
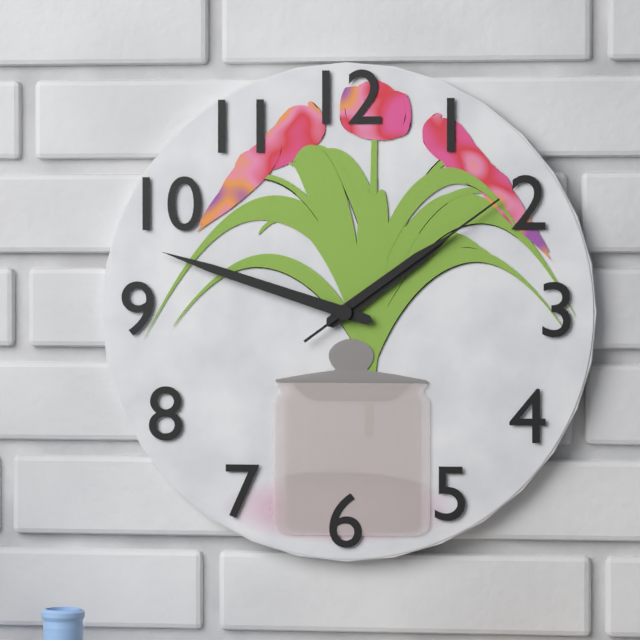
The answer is 1:48:09
